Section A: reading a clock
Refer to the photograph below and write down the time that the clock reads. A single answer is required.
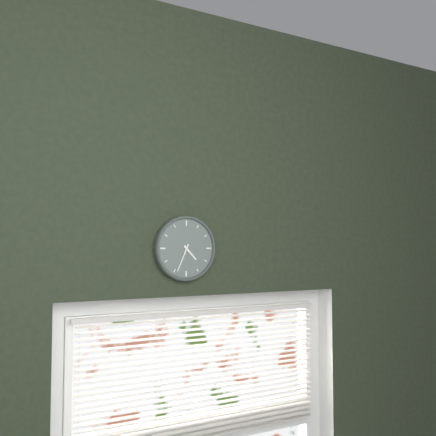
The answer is 4:34
